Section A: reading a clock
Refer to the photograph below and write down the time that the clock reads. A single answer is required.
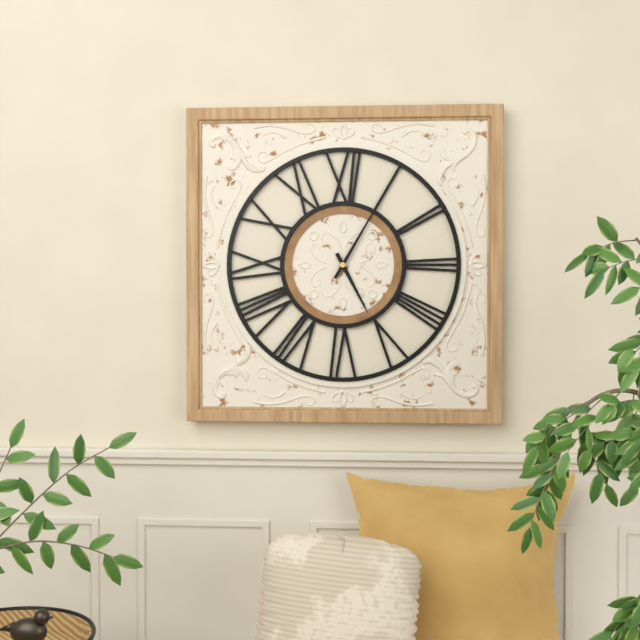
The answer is 5:05
